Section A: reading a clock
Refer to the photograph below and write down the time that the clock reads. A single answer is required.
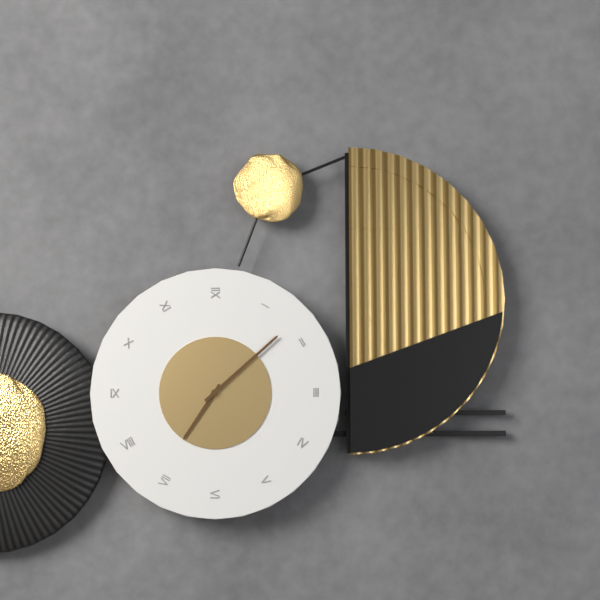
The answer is 7:08
